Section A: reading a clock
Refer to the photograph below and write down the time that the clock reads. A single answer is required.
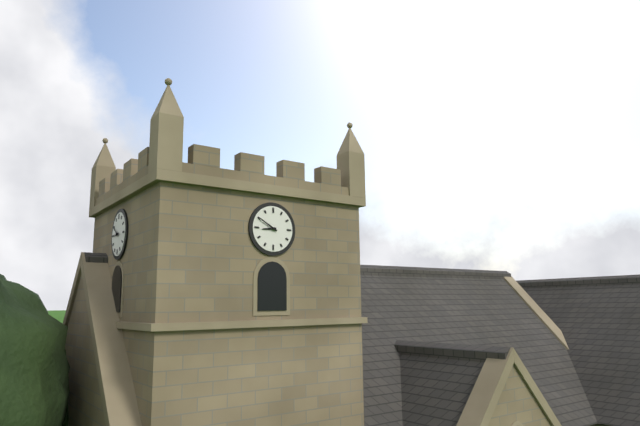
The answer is 8:50
